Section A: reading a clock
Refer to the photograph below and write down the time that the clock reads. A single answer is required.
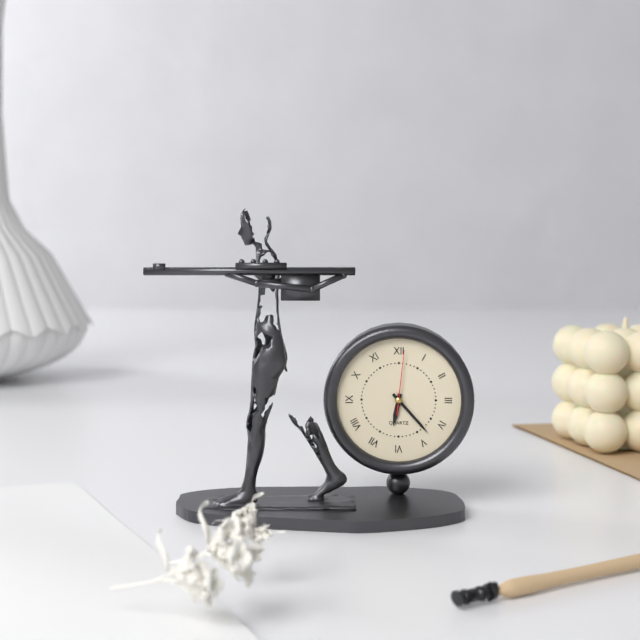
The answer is 6:23:01
